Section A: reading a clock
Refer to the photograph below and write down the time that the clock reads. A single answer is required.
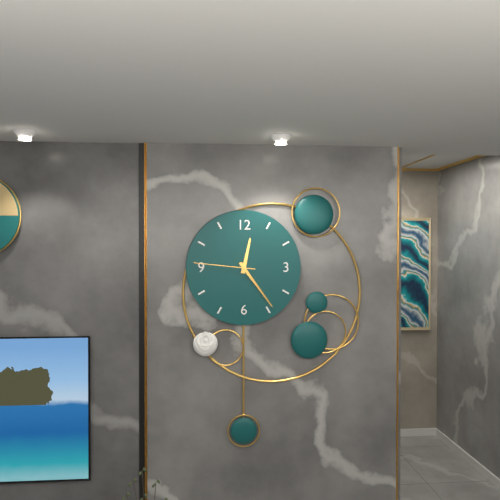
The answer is 12:24:46
